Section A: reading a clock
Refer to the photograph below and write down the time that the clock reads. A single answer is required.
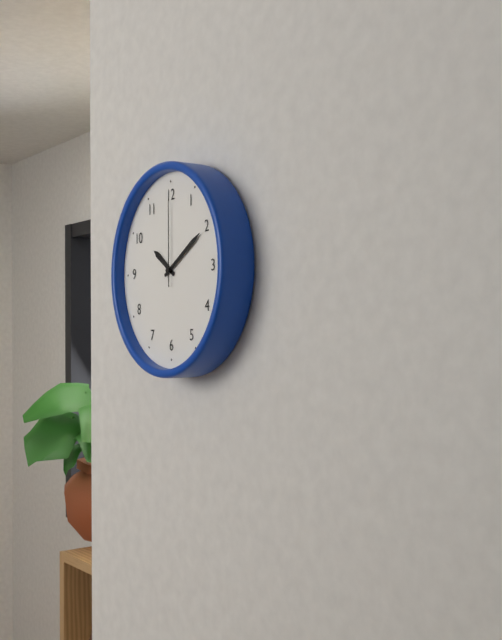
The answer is 10:10:00
